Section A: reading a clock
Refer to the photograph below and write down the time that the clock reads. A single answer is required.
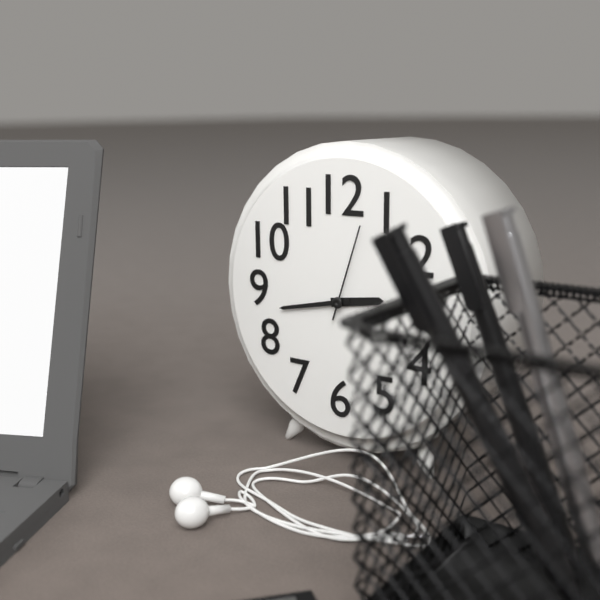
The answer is 2:43:03
